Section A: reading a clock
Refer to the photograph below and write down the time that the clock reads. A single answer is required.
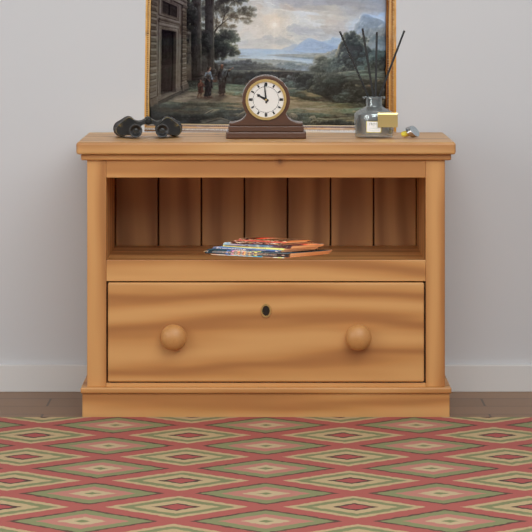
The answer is 9:59
